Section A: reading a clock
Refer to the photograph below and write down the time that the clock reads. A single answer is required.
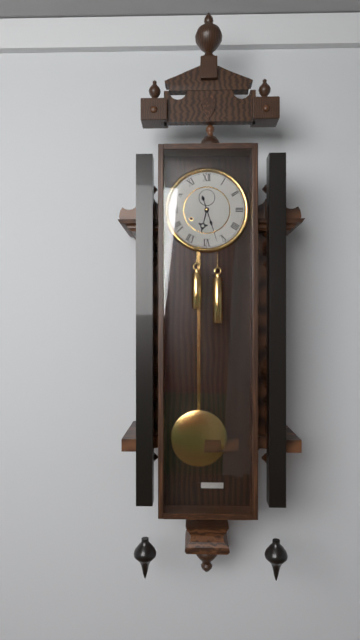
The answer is 6:27
